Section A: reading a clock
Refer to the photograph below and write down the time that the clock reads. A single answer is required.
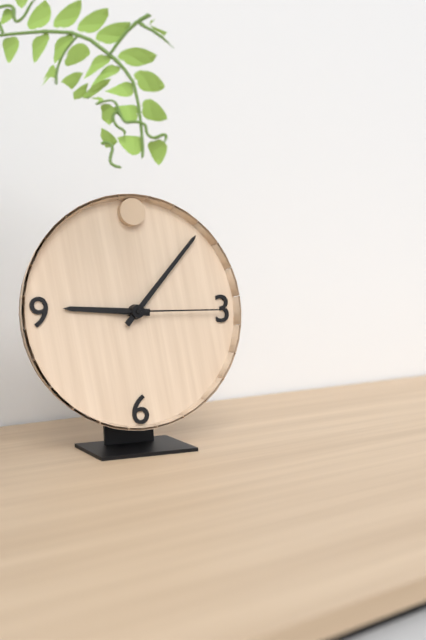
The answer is 9:07:15
